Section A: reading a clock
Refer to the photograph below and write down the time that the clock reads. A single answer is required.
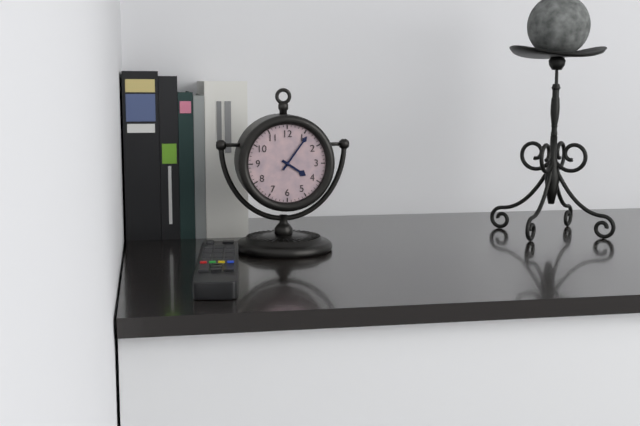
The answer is 4:06
